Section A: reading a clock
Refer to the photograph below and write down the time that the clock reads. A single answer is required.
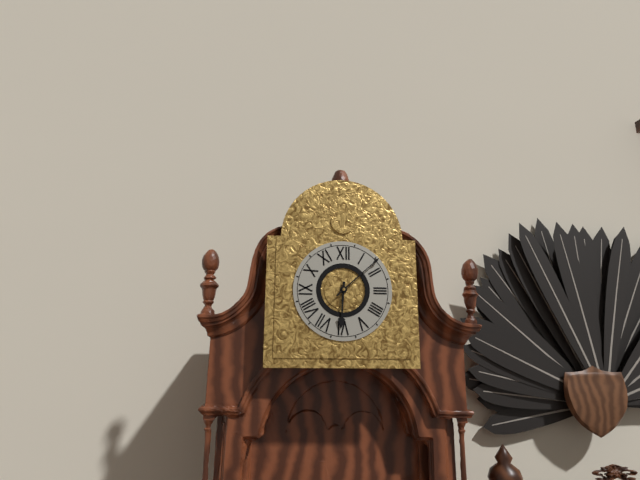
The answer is 6:08
